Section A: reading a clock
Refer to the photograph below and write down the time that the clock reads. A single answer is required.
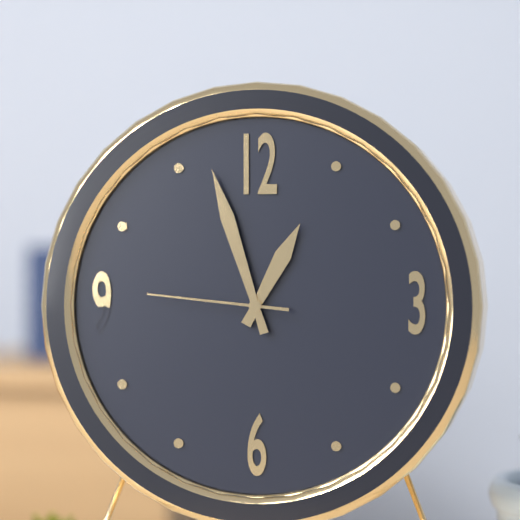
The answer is 12:57:46
